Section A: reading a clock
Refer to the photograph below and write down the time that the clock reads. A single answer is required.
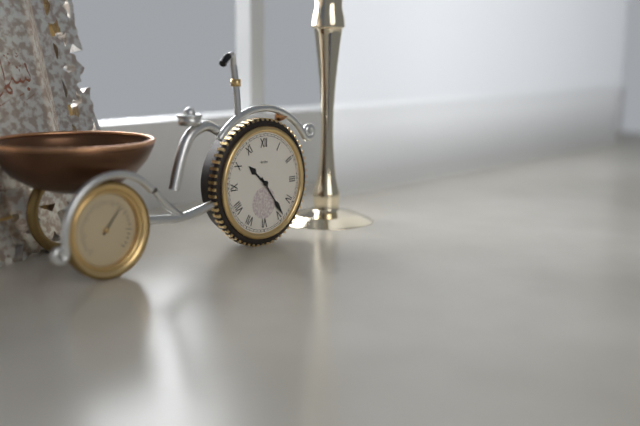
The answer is 10:24
